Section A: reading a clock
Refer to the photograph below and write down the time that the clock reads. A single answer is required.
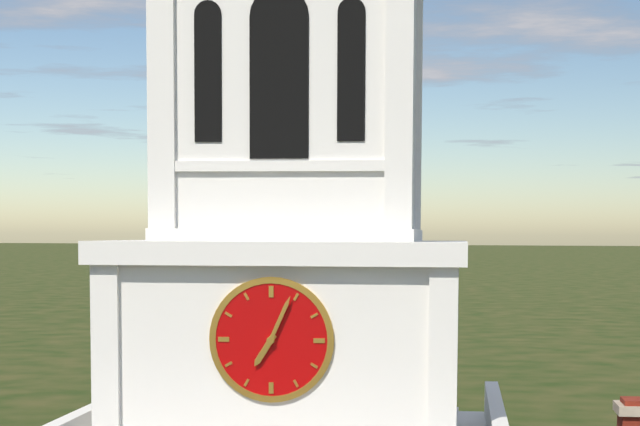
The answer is 7:04
